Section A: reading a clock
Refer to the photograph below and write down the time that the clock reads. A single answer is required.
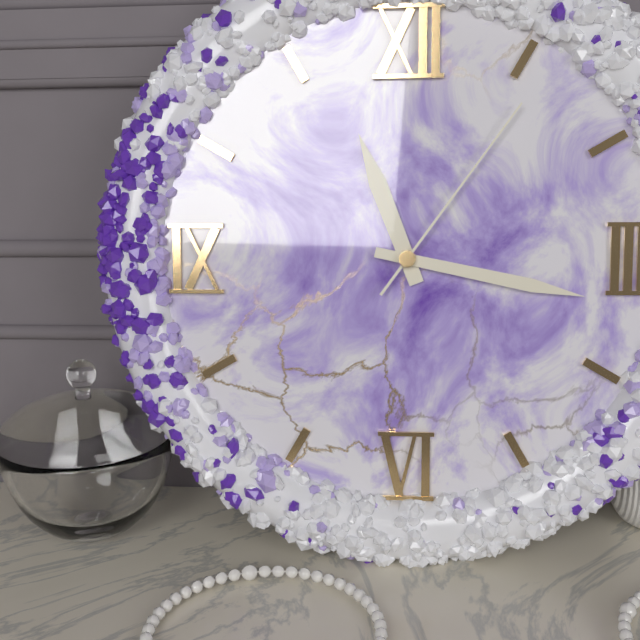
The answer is 11:17:06
